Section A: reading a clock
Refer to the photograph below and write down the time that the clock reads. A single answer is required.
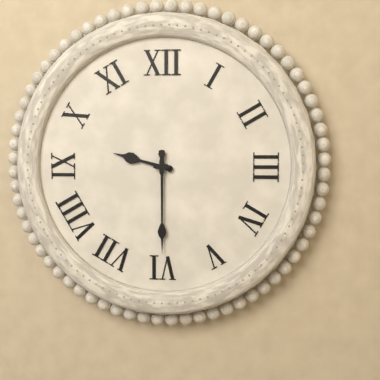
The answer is 9:30
